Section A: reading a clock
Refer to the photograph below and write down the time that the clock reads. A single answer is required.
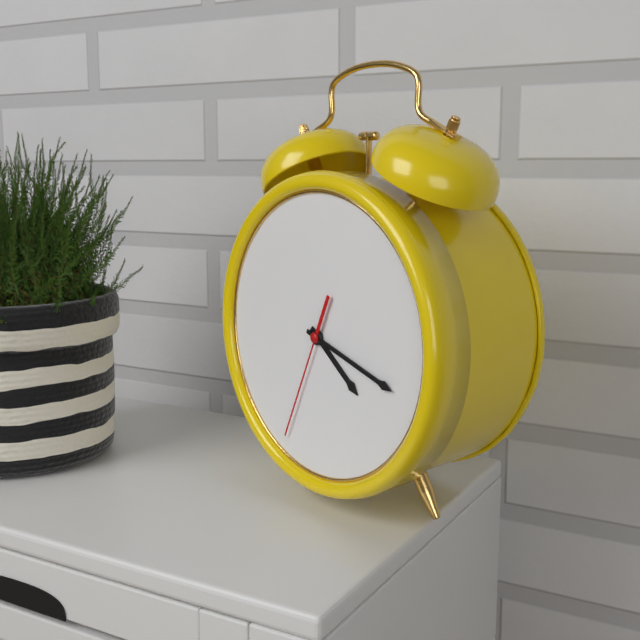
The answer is 4:18:34
